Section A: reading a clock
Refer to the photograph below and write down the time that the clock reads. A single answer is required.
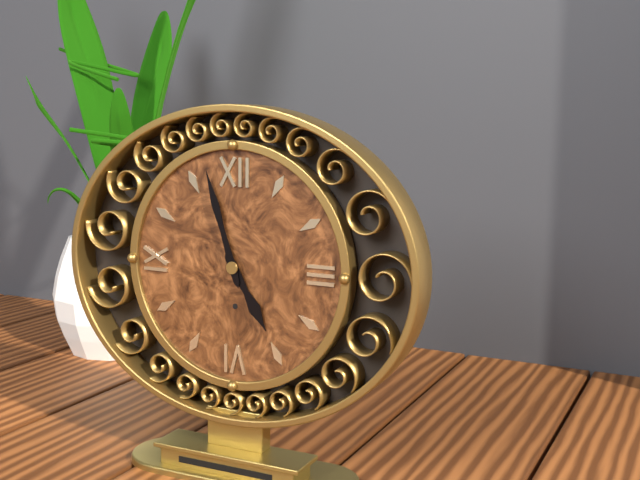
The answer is 4:57
